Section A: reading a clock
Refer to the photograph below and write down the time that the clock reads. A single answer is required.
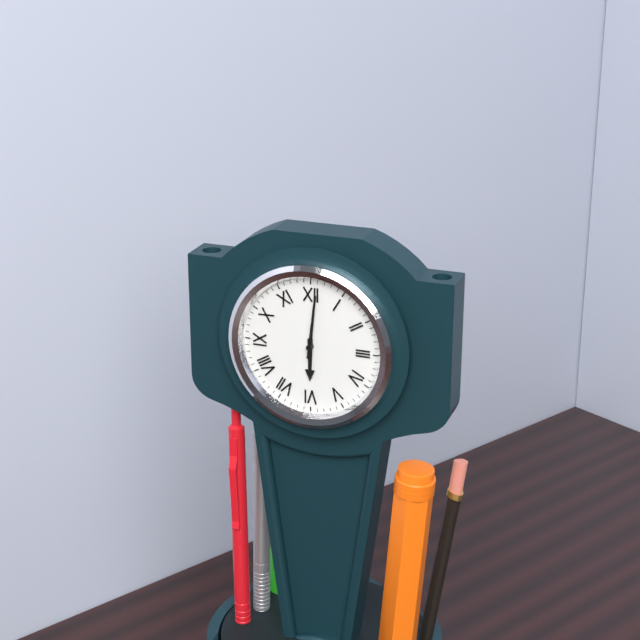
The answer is 6:01
